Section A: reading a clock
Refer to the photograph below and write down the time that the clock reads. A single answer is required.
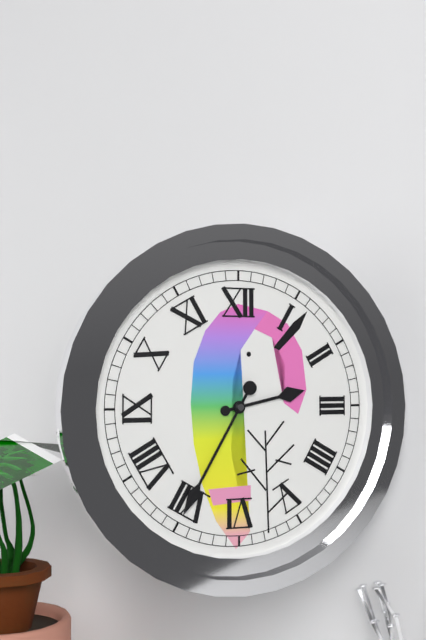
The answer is 2:35
